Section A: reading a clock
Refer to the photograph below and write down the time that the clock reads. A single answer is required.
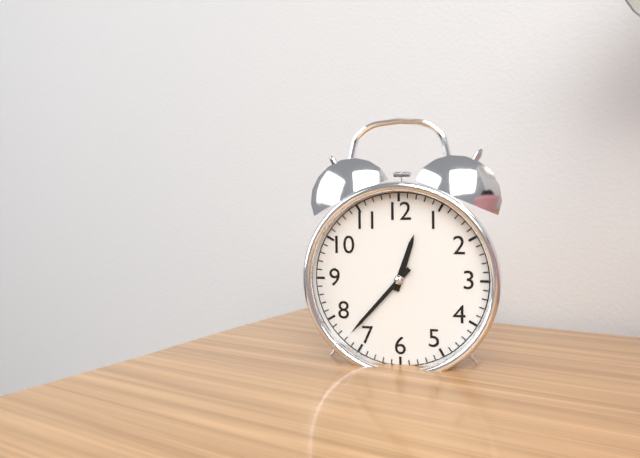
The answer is 12:37
